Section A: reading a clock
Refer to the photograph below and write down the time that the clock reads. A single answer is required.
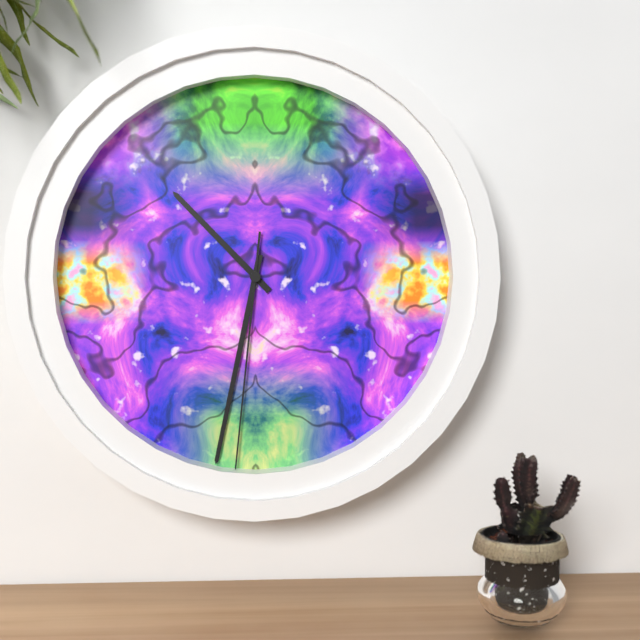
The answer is 10:32:31
